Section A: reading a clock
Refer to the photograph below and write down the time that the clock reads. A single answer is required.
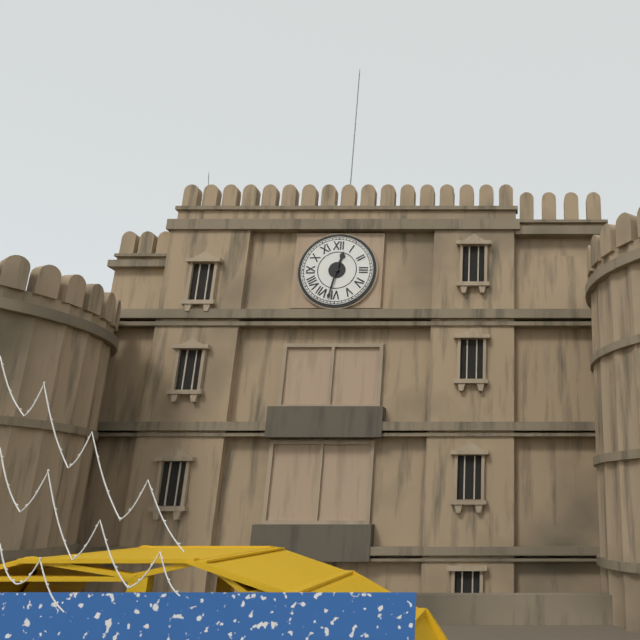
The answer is 12:32
